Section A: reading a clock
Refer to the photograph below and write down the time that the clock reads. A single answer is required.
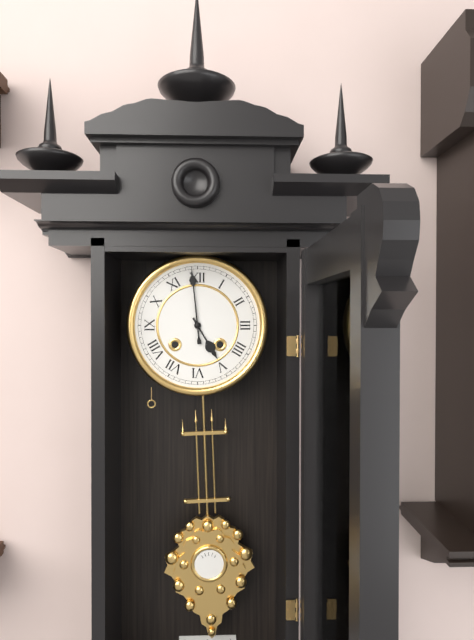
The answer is 4:59
